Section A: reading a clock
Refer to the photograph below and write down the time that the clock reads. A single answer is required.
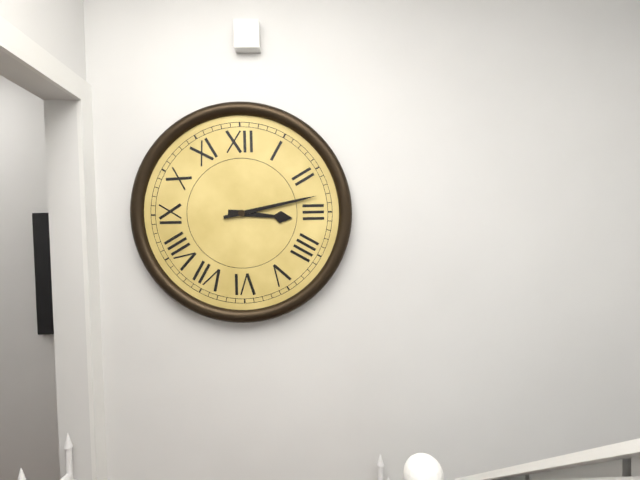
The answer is 3:13
